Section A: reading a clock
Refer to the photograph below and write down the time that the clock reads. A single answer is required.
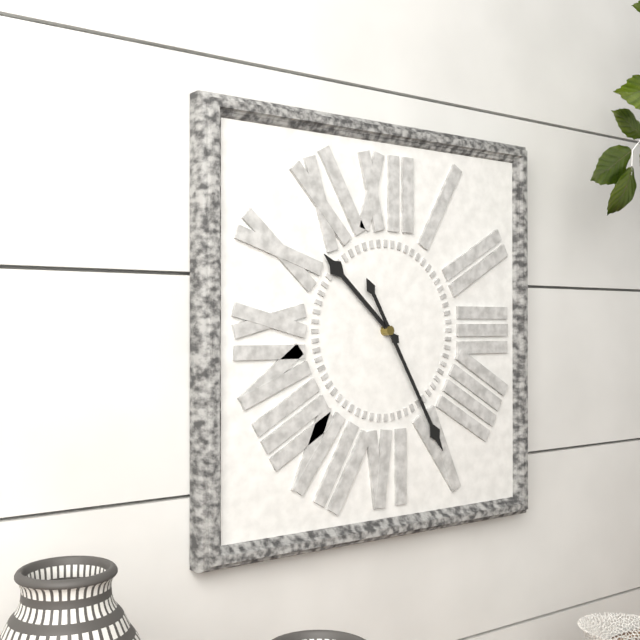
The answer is 10:25
